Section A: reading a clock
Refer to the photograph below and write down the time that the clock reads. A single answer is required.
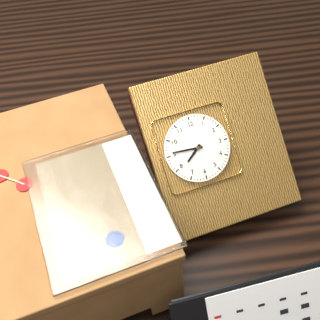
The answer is 7:46
